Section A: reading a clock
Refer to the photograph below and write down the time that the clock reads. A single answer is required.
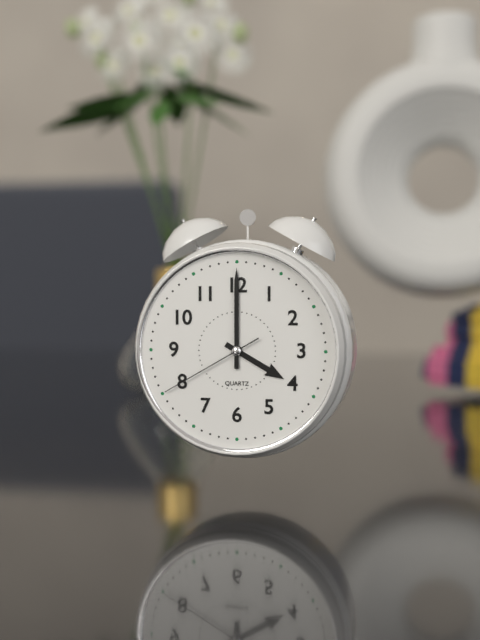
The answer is 4:00:40
